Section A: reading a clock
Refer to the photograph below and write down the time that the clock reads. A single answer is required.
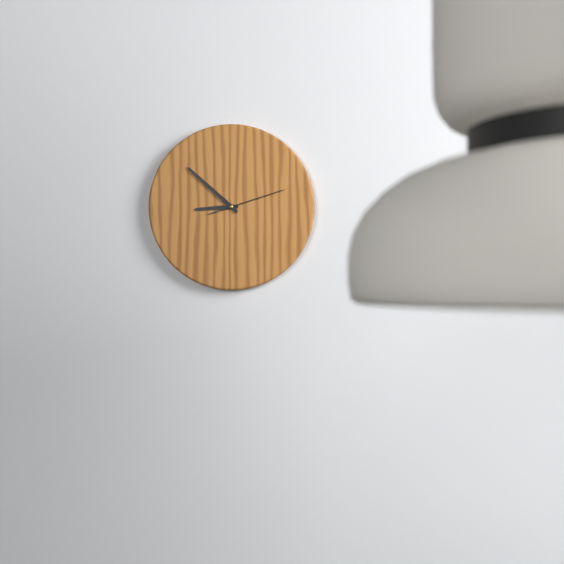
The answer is 8:52:12
